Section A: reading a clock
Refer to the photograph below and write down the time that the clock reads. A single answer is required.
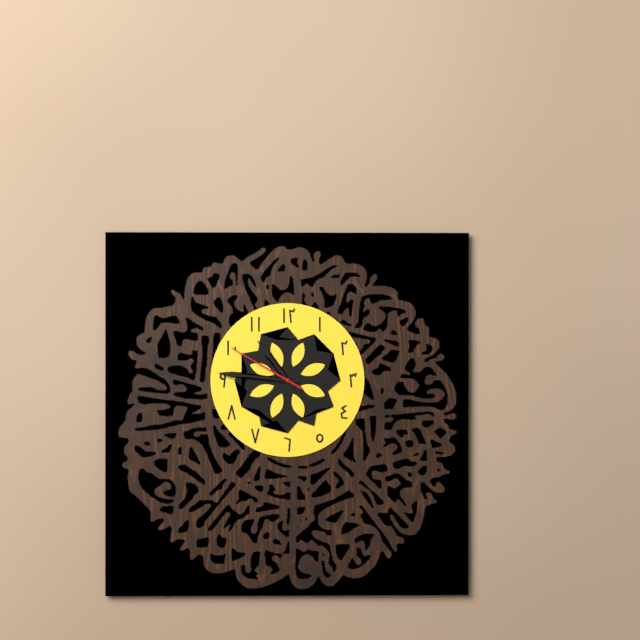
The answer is 10:46:50
